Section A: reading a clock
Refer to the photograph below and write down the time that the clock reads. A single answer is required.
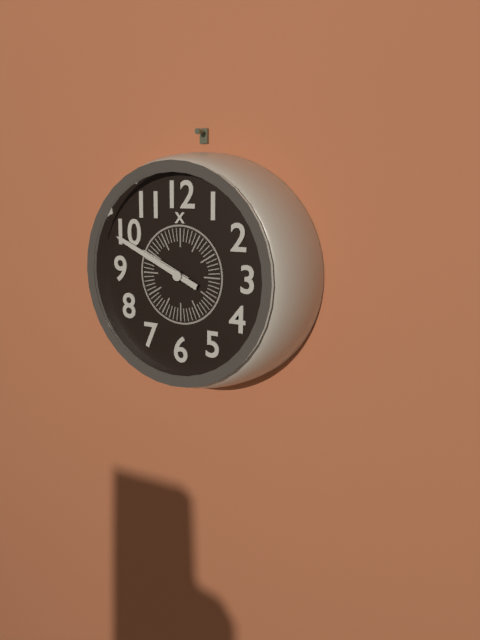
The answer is 9:49
